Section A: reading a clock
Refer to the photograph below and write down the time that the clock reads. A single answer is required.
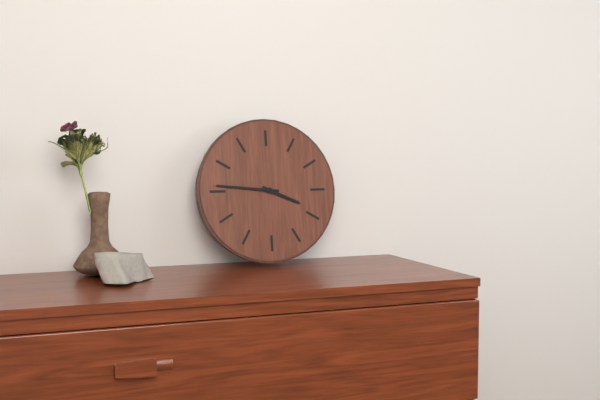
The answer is 3:46
